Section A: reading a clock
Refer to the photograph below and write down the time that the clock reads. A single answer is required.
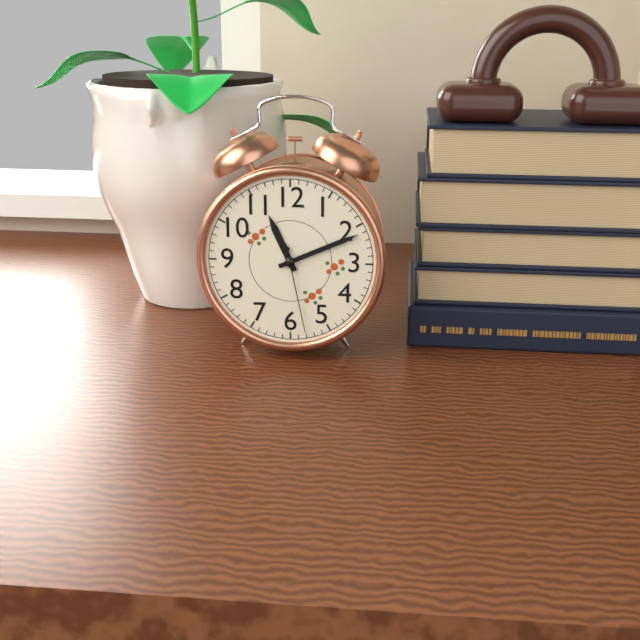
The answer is 11:11:28
